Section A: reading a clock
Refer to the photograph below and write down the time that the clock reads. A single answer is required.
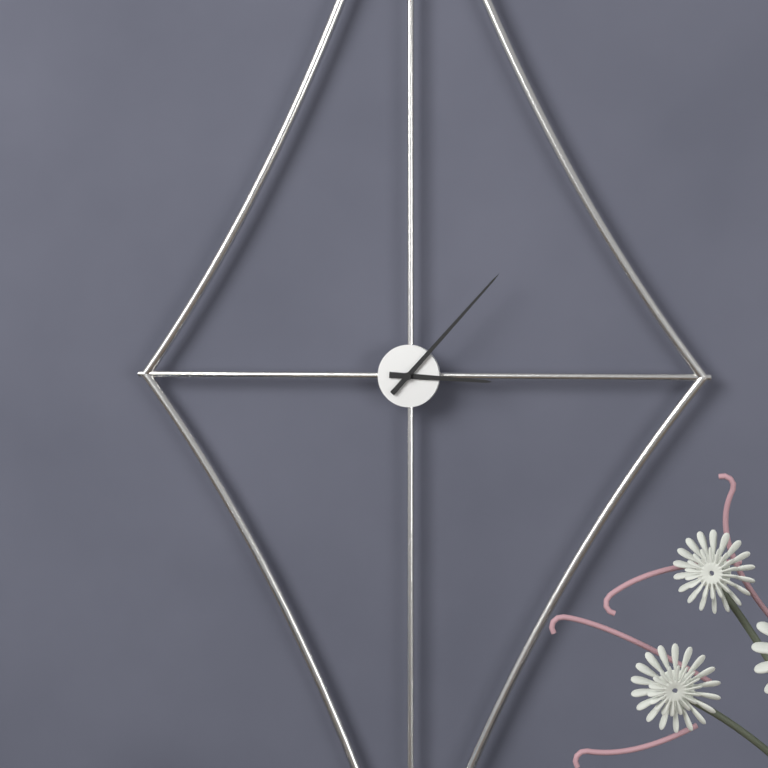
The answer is 3:07
